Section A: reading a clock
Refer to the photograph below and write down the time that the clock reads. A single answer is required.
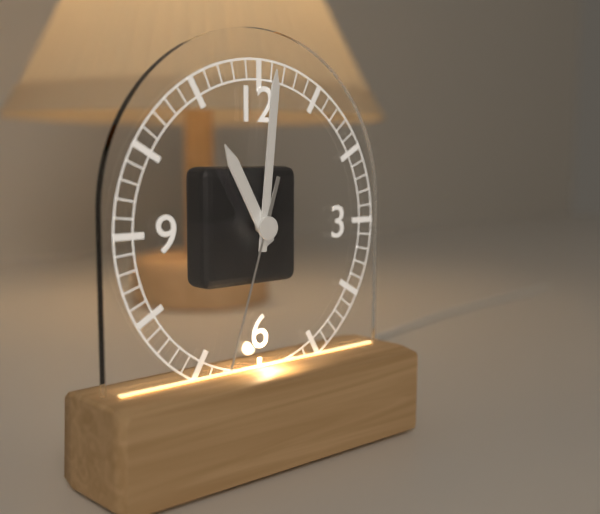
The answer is 11:01:33
